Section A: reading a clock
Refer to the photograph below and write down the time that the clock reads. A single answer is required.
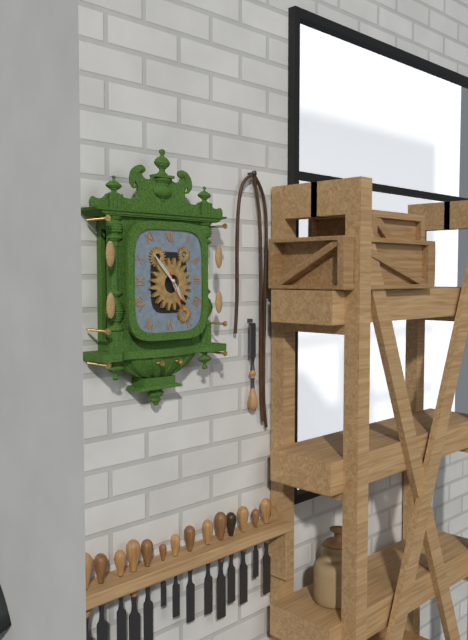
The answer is 4:53
